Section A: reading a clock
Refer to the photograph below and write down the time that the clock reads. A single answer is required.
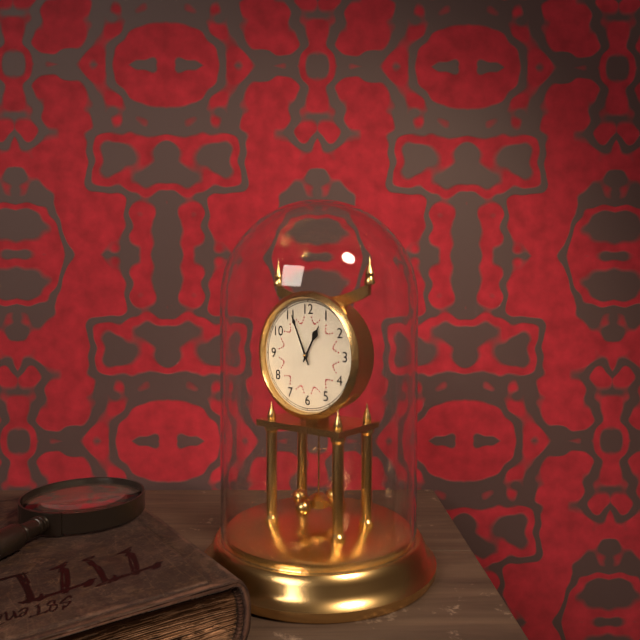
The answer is 12:56
